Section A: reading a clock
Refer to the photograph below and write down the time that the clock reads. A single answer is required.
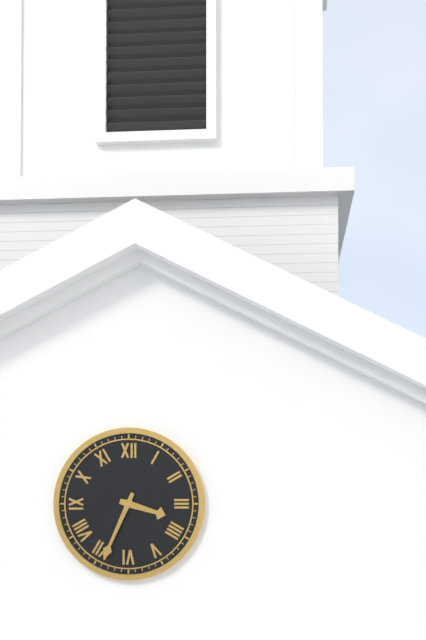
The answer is 3:34
